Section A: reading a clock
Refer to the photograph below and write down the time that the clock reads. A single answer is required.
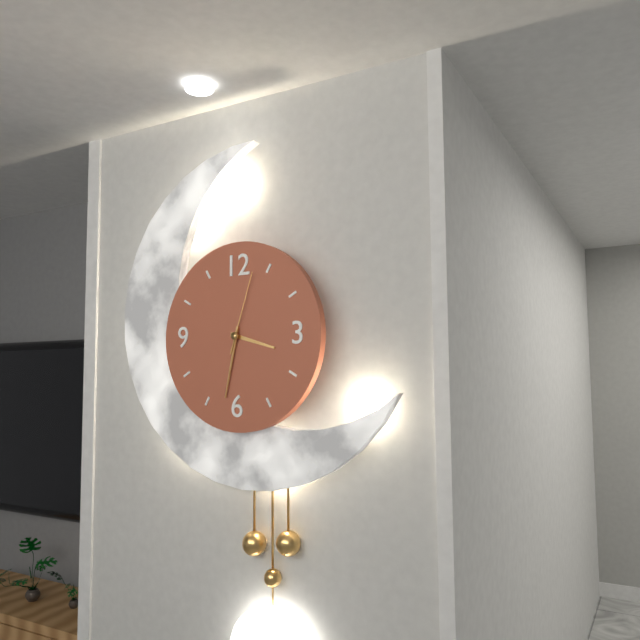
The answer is 3:32:03
